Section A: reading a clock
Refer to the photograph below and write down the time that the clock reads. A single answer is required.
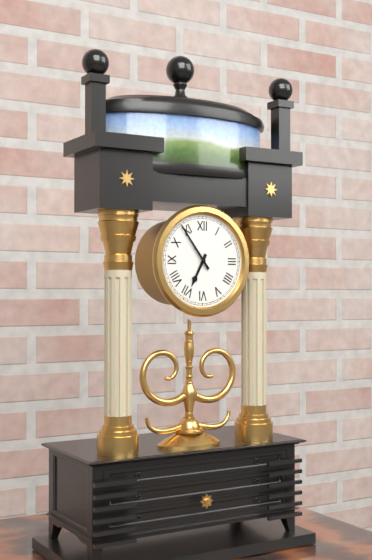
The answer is 6:54
